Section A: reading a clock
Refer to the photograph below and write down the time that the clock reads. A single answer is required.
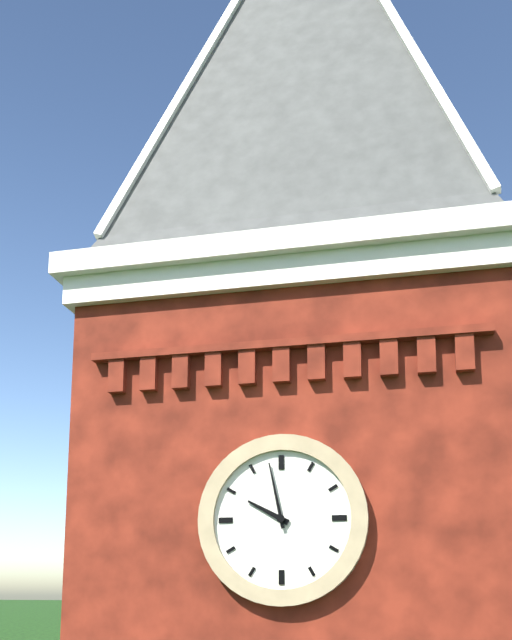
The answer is 9:58
